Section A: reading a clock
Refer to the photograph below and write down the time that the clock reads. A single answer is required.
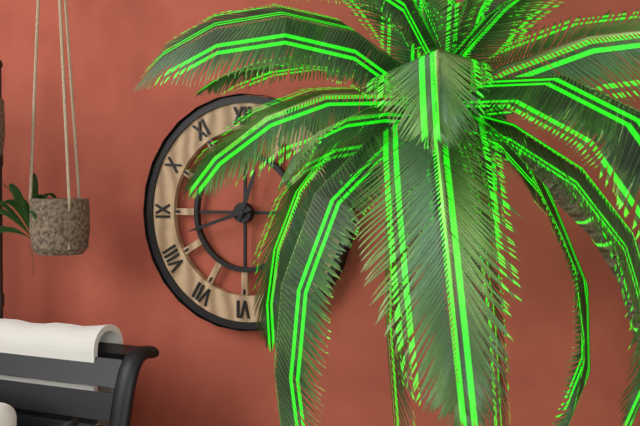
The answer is 12:42
